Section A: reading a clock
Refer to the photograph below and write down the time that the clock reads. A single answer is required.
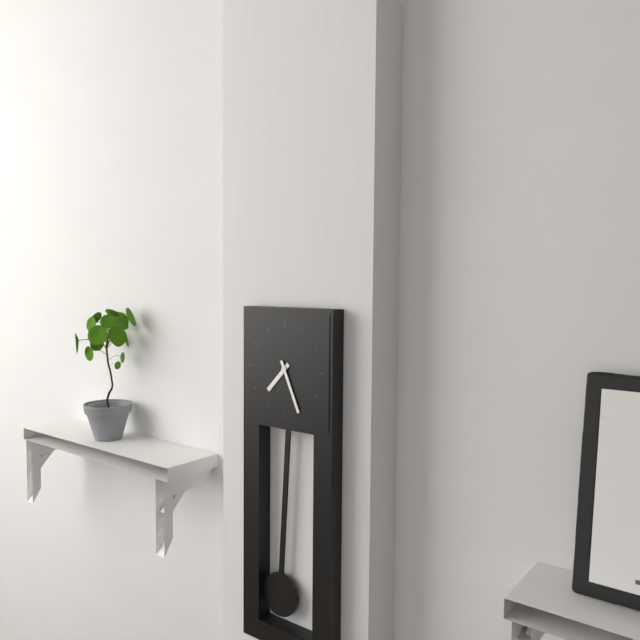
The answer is 7:26
